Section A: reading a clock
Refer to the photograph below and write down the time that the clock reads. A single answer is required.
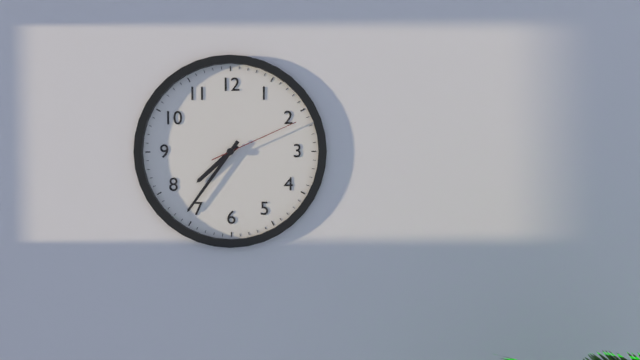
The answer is 7:36:11
